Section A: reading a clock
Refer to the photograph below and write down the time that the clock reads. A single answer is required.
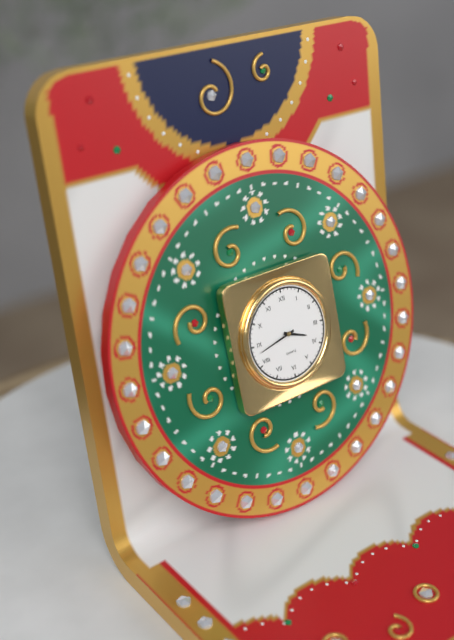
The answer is 3:43
